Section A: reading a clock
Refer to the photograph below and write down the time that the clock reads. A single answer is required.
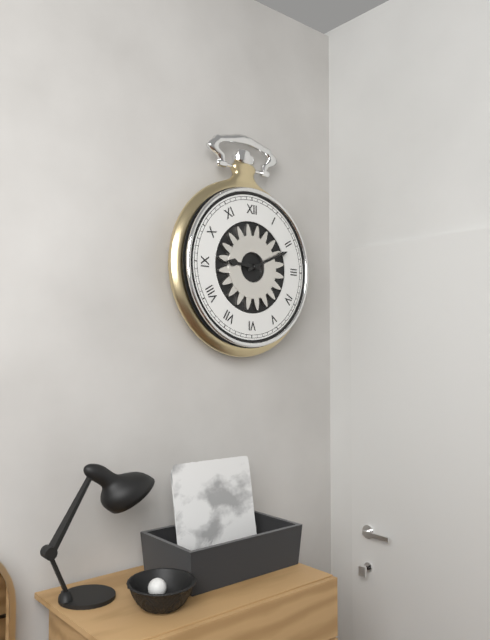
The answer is 9:11
